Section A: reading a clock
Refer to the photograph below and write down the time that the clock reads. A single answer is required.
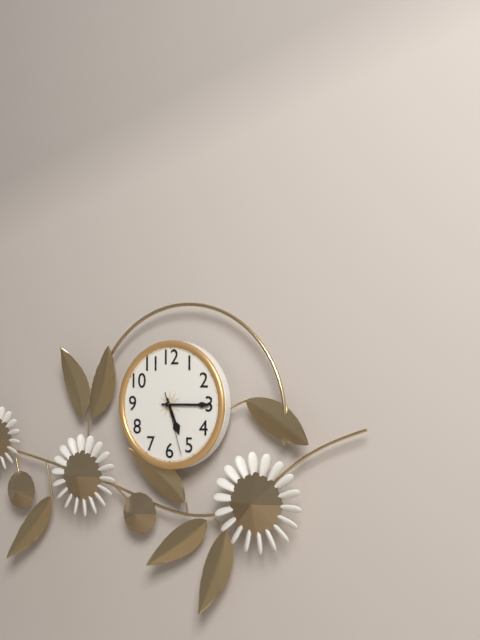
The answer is 5:15:27
